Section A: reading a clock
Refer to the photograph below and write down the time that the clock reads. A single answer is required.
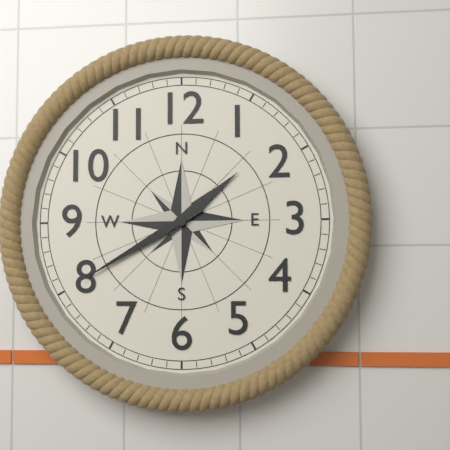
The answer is 1:40
